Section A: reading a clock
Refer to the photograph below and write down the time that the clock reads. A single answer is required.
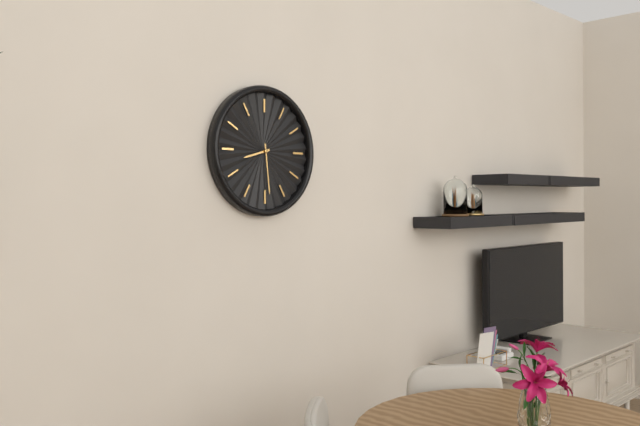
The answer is 8:29
